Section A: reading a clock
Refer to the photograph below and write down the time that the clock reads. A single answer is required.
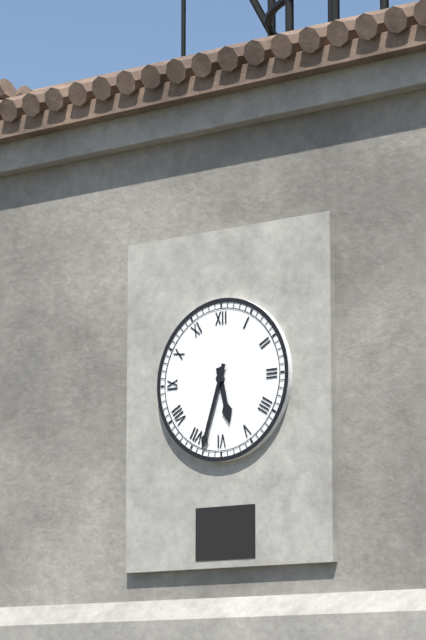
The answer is 5:33
